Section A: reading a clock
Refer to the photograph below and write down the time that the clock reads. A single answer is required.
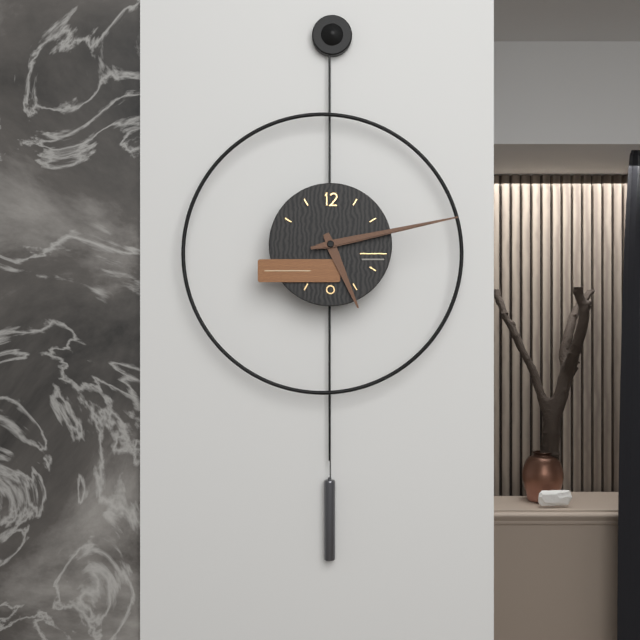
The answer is 5:13:13
